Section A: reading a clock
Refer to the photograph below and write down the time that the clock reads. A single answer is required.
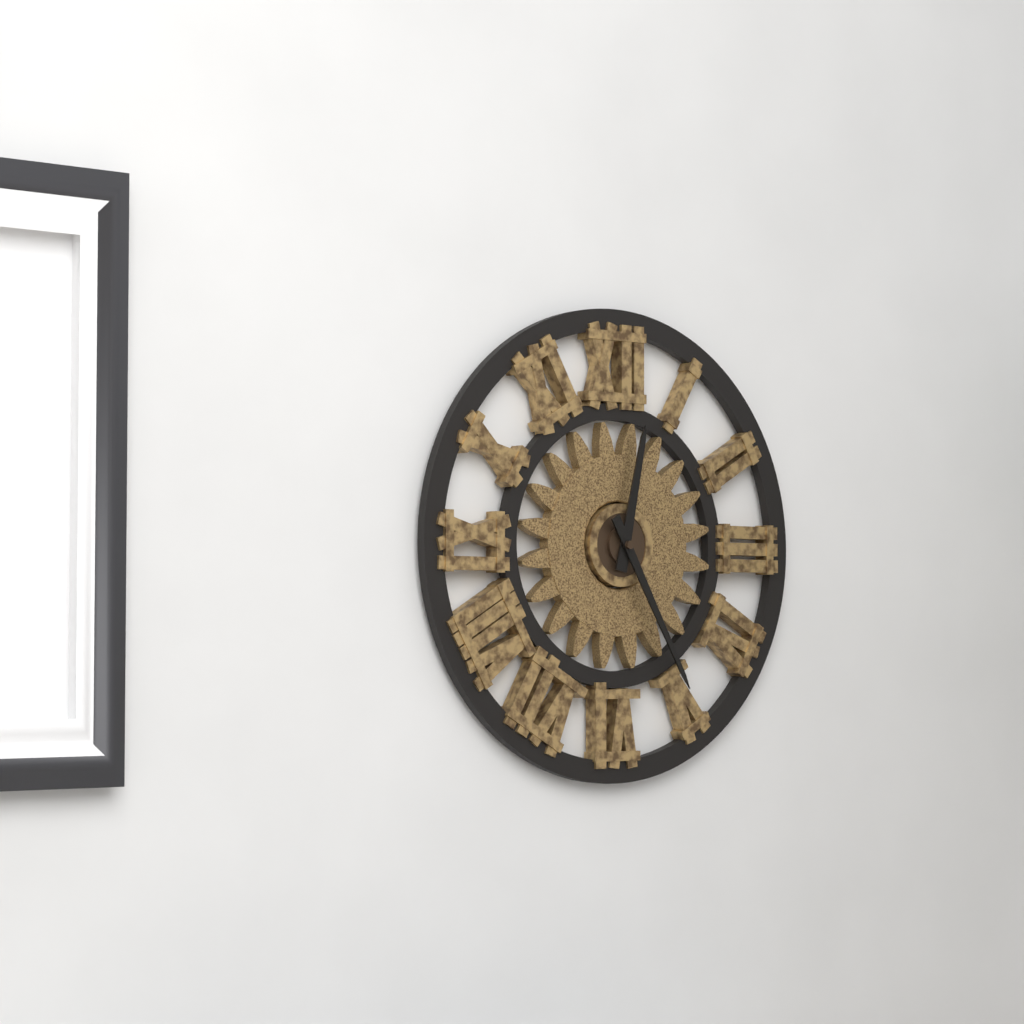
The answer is 12:25
